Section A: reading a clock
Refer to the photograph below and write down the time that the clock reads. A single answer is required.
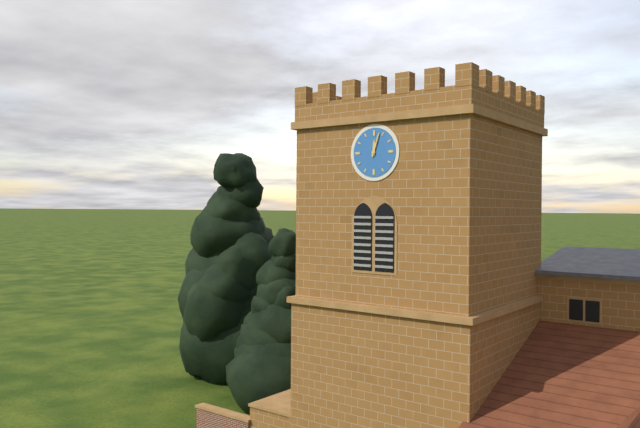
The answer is 12:03
